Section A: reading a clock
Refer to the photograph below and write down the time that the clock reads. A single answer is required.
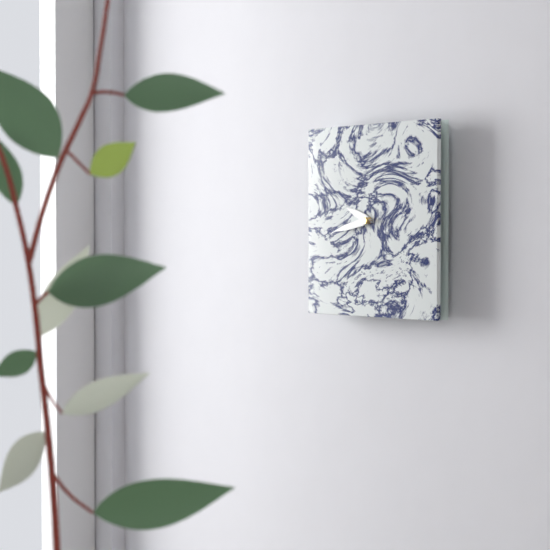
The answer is 9:43
